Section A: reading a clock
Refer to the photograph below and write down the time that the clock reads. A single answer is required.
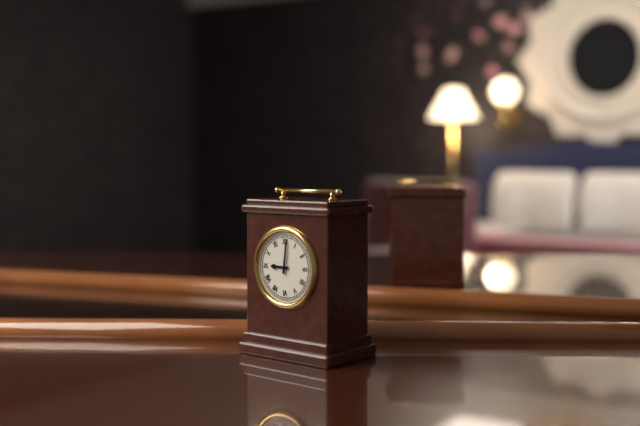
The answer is 9:01
